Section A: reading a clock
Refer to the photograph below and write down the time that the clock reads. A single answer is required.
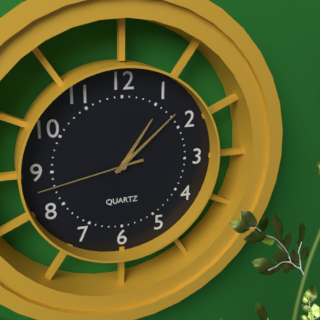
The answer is 1:08:43
